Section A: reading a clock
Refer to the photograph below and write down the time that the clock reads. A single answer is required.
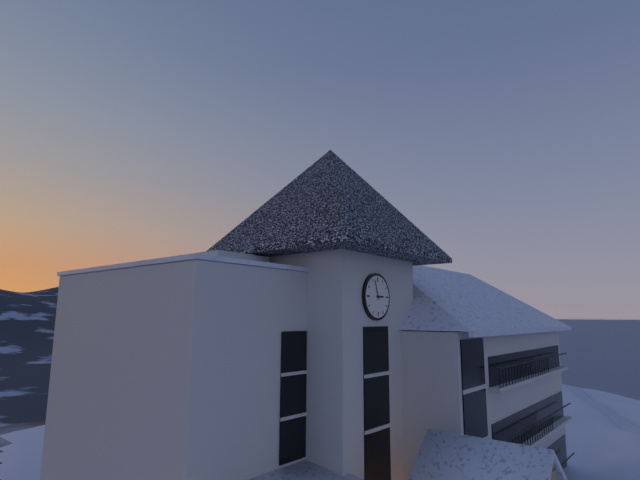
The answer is 2:57
